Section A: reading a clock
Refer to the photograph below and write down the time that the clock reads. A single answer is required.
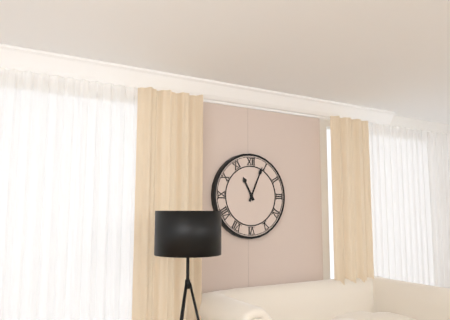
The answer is 11:04
